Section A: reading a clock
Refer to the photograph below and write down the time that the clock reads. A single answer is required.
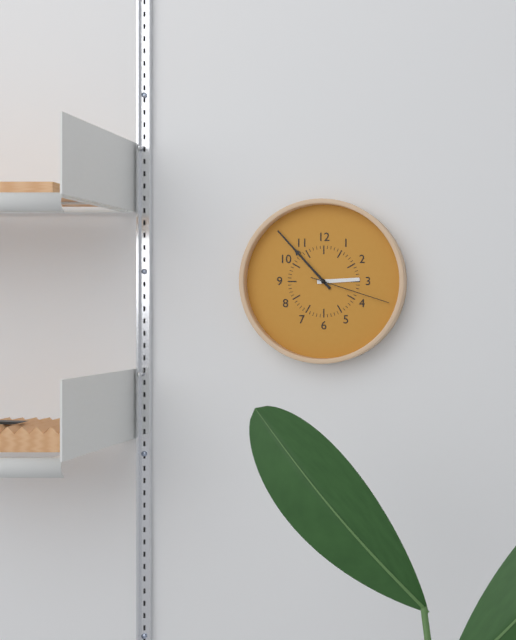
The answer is 2:53:18
